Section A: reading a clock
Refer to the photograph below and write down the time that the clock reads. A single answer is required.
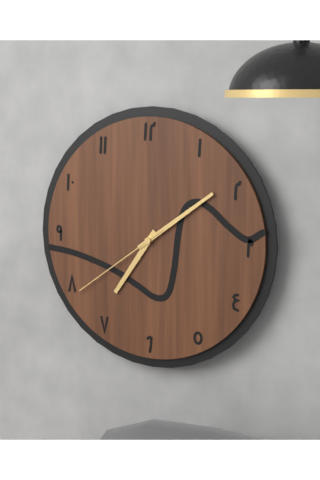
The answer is 7:09:39
